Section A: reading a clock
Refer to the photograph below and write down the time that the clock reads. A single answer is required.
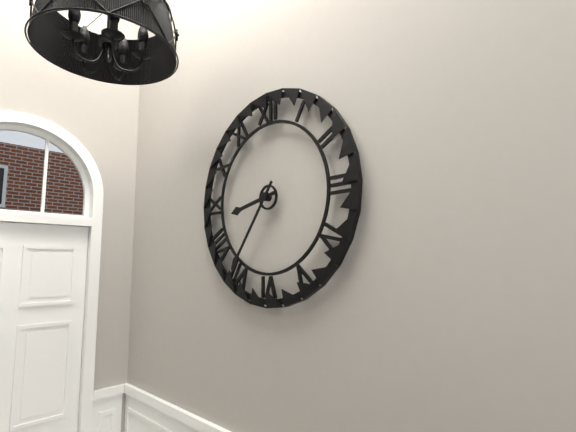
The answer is 8:36
